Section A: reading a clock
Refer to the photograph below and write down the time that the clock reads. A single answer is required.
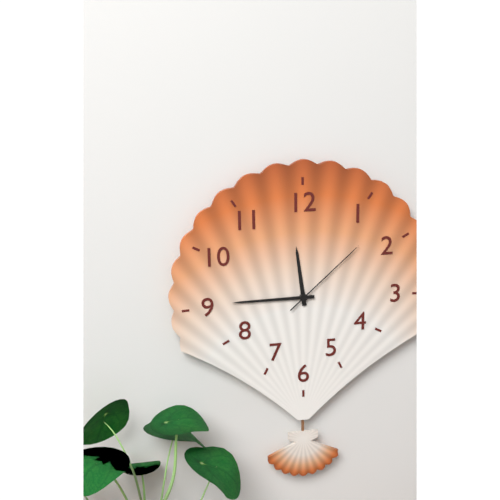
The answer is 11:45:08
